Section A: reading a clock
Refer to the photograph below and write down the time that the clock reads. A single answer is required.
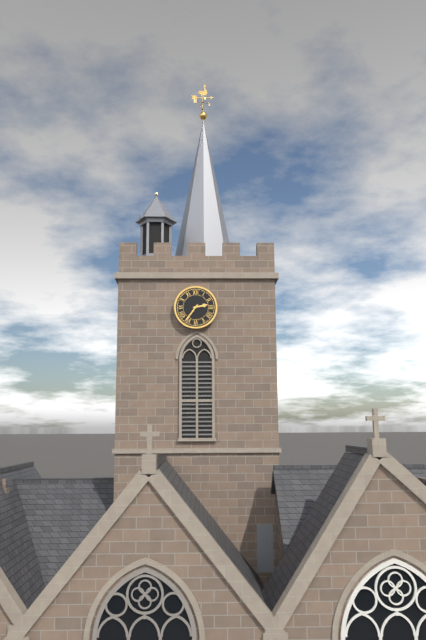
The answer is 2:36
